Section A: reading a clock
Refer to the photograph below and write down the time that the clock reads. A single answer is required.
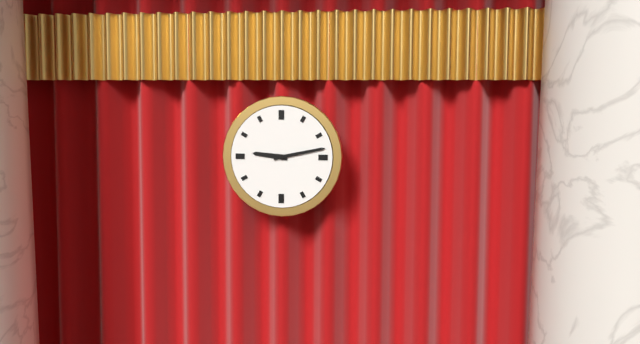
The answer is 9:13
